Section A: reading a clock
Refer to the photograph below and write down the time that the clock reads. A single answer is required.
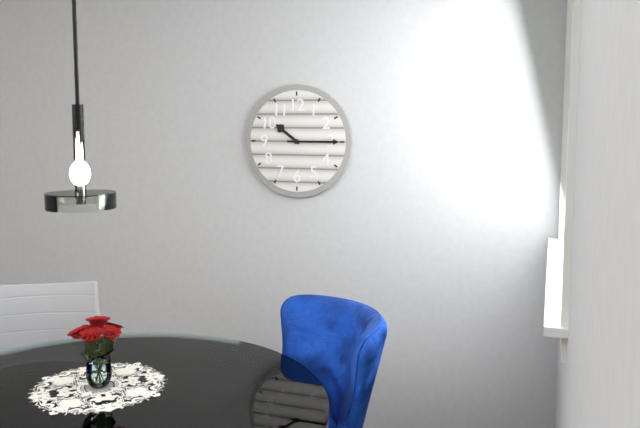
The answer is 10:15
